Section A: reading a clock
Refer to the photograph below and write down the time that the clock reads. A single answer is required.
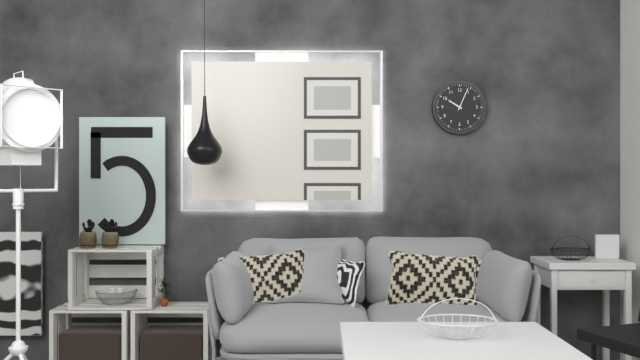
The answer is 10:04
